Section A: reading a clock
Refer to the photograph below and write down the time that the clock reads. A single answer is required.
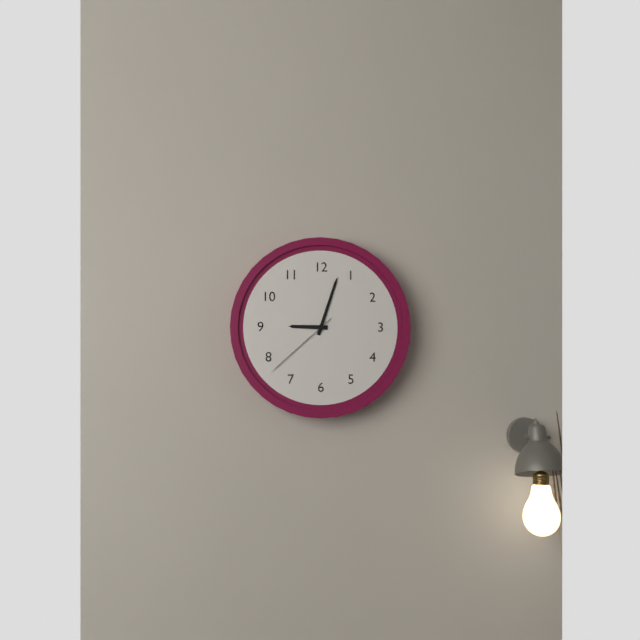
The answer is 9:03:38
